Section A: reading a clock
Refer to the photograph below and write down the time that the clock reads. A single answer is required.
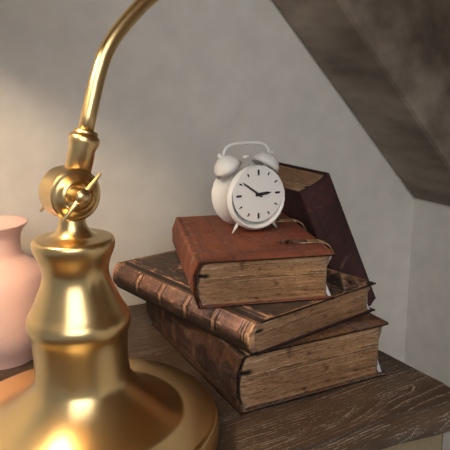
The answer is 2:51
